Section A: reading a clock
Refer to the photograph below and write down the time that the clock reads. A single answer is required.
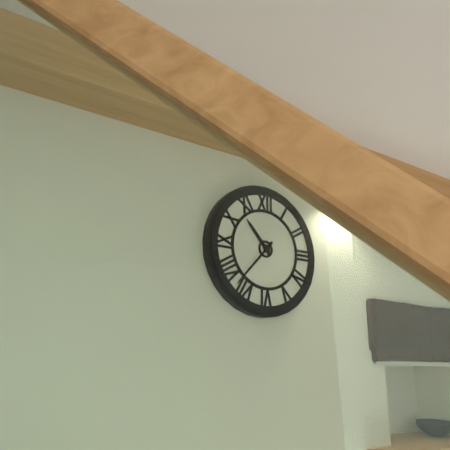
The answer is 10:37
